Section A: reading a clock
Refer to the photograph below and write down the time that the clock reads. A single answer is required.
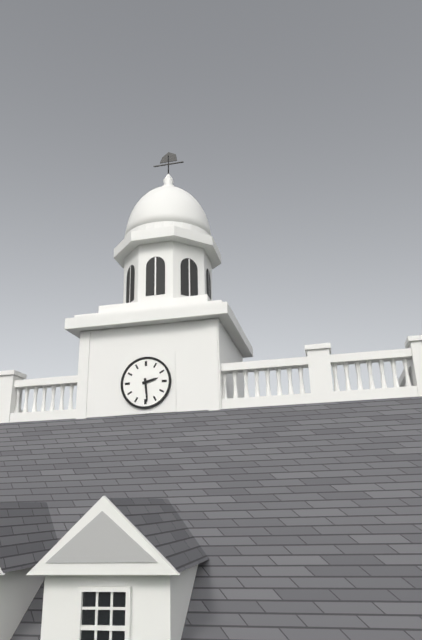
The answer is 2:29
